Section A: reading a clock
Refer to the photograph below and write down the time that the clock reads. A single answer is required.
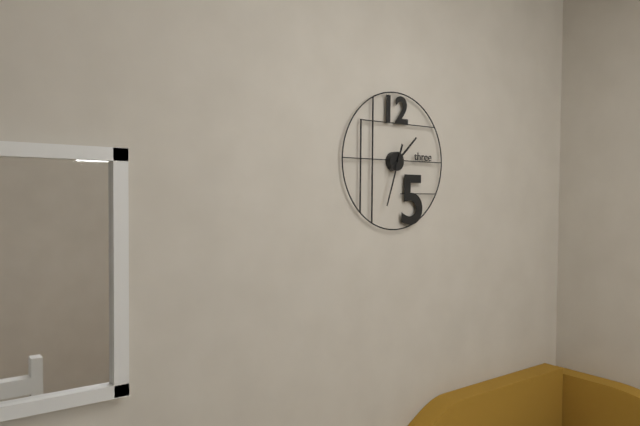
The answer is 1:33
